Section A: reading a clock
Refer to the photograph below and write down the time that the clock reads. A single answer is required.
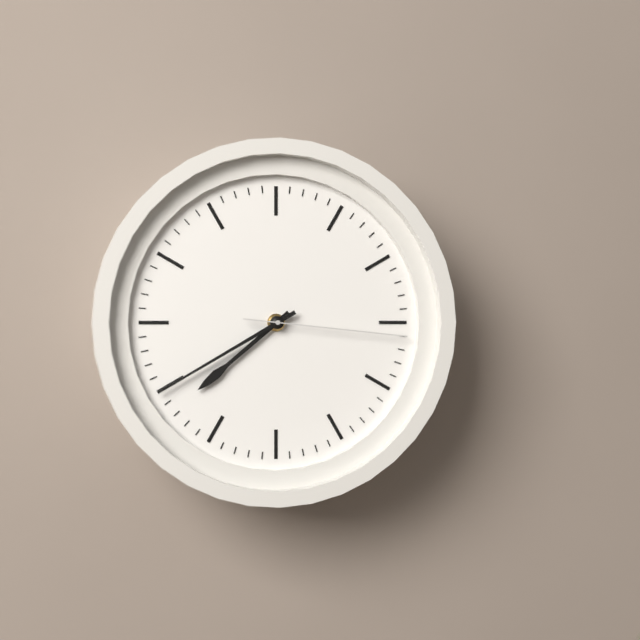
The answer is 7:40:16
